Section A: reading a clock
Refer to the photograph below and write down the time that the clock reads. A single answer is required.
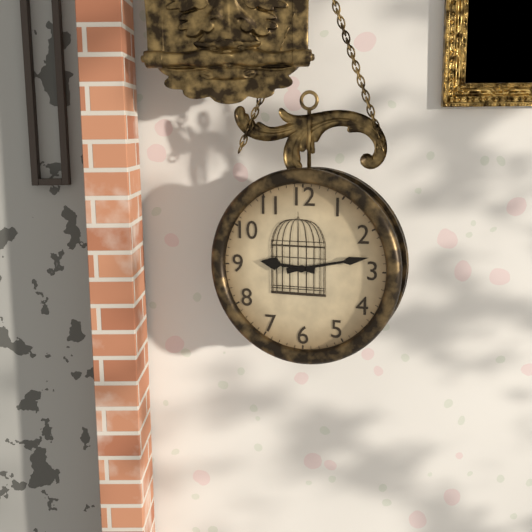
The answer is 9:13
